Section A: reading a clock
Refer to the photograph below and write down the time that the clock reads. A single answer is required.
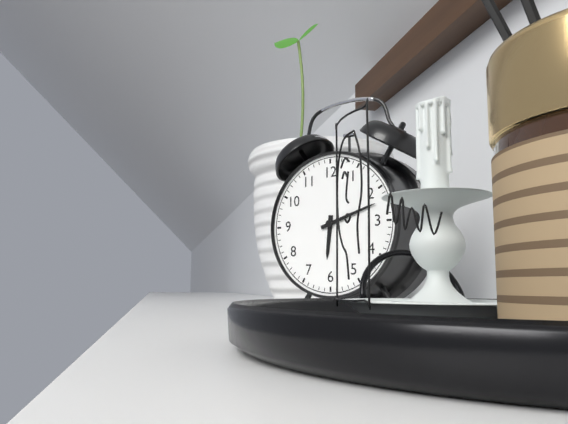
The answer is 6:12
